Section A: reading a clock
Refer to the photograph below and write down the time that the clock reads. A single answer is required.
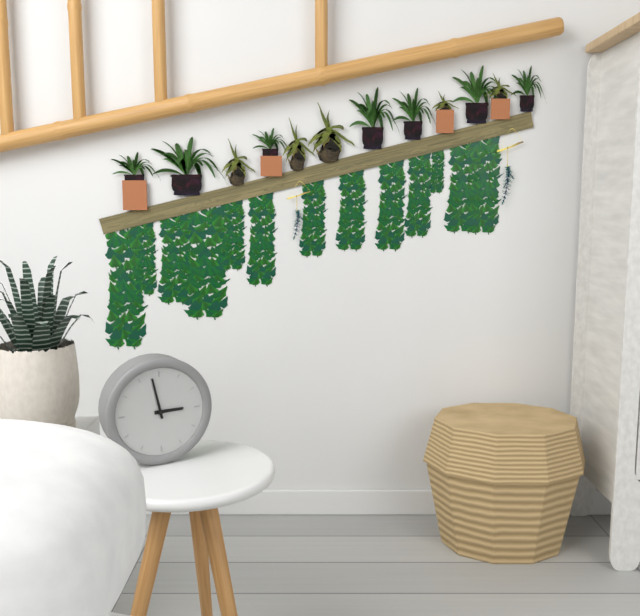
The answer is 2:58
